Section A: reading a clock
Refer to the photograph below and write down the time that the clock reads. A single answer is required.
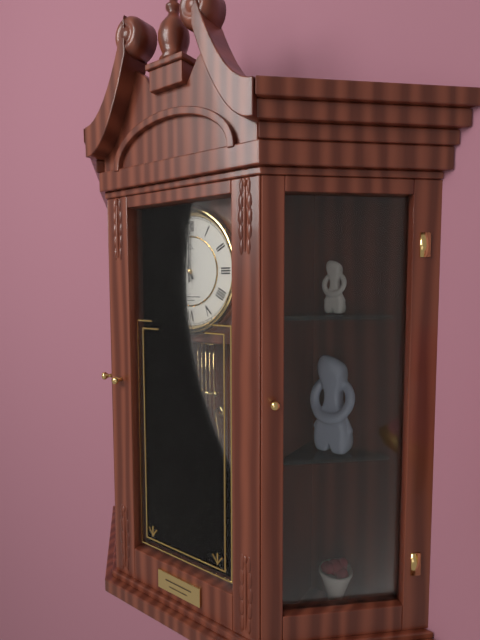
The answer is 11:00
